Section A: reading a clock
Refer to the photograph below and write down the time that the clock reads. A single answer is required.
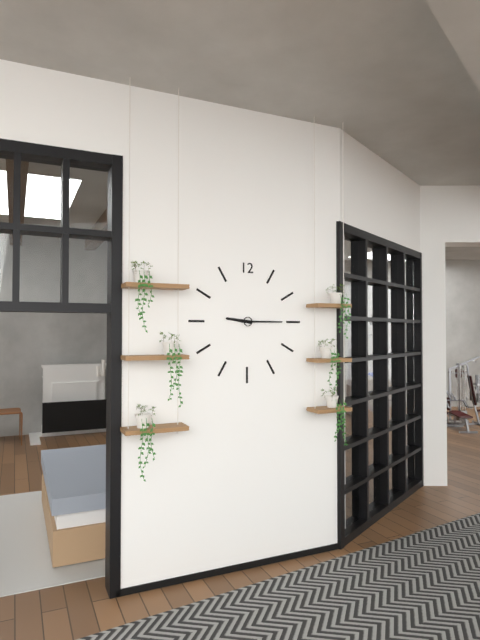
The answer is 9:15
